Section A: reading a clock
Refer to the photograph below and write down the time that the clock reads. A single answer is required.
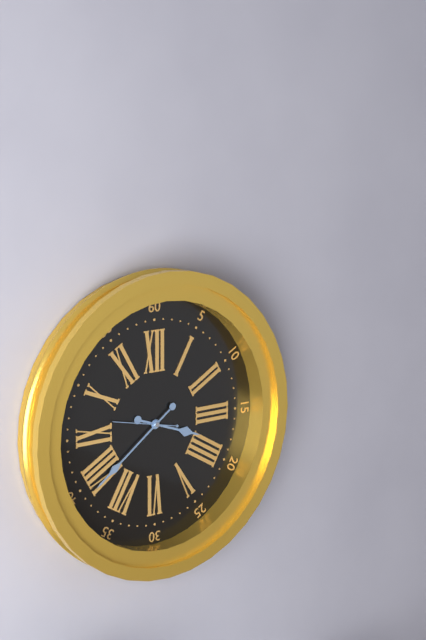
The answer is 3:39:47
